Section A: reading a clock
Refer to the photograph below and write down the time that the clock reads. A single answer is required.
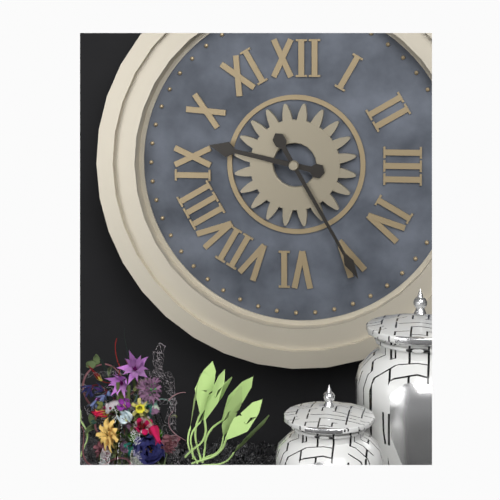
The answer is 9:25
